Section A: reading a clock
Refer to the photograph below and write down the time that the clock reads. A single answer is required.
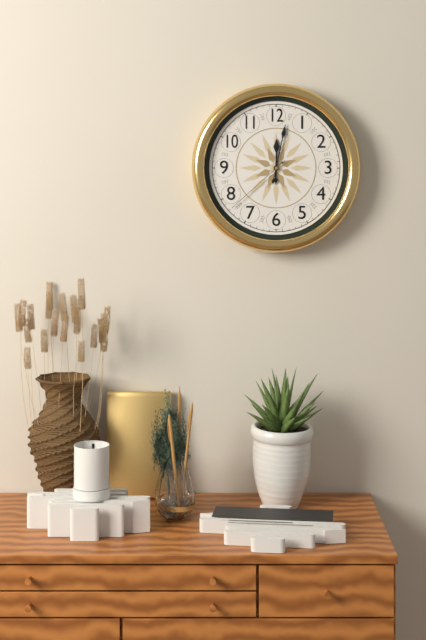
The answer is 12:02:38
